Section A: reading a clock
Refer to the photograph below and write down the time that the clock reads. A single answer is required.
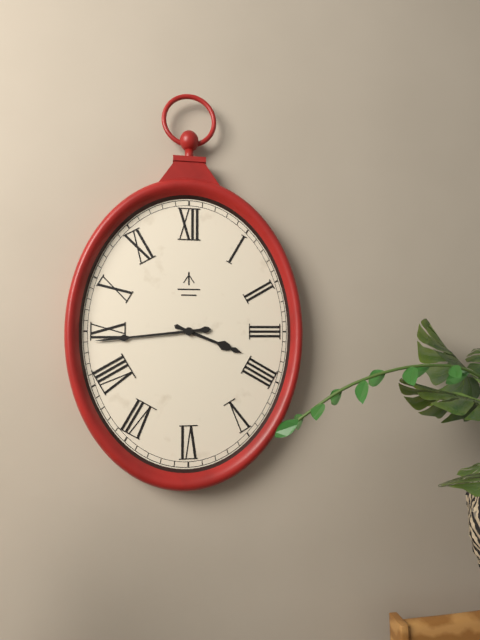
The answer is 3:44
